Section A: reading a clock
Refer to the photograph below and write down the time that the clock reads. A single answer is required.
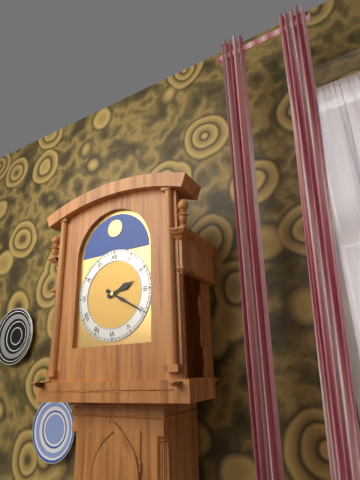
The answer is 2:20
